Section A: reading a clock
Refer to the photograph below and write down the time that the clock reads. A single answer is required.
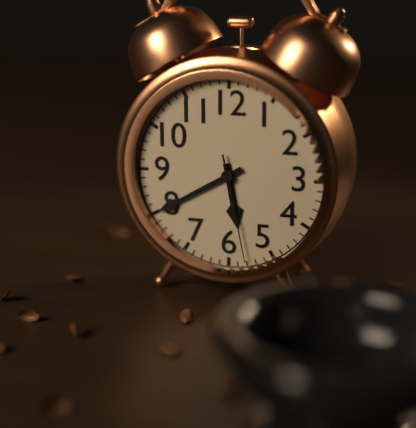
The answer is 5:40:28
